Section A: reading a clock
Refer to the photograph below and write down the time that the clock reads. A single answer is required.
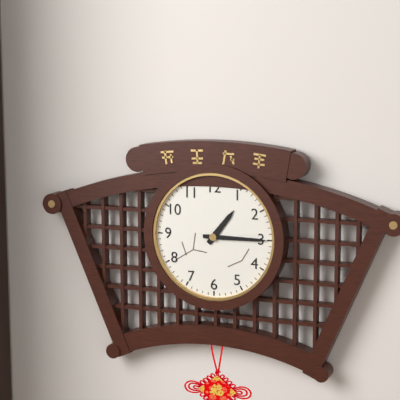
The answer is 1:15
